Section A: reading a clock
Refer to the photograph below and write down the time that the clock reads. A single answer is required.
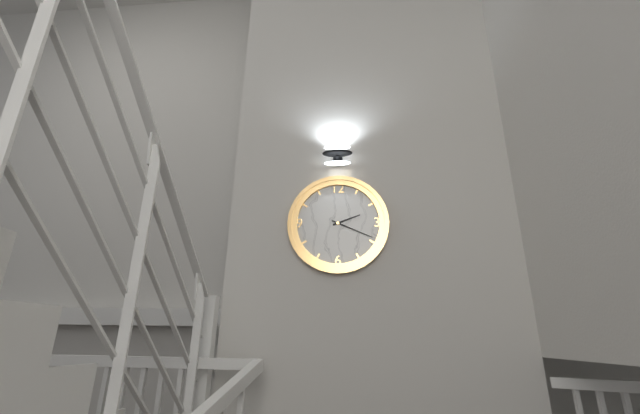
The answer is 2:19
